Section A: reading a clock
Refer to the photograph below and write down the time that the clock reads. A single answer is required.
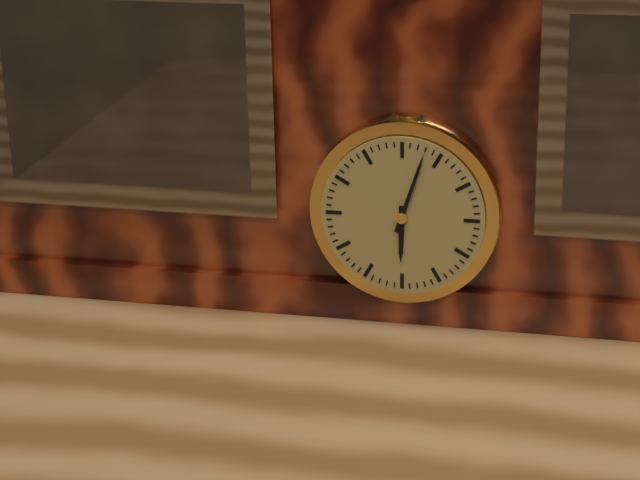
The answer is 6:03
